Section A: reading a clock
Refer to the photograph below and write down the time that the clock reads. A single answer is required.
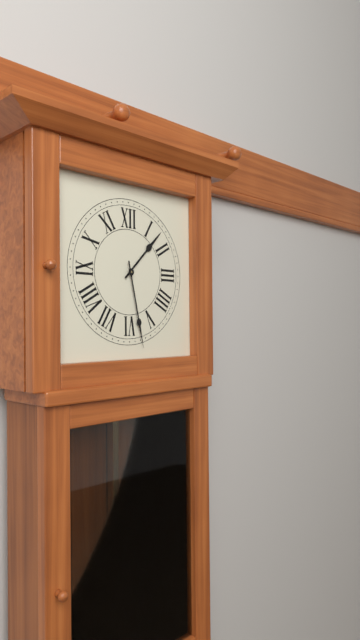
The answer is 1:28
